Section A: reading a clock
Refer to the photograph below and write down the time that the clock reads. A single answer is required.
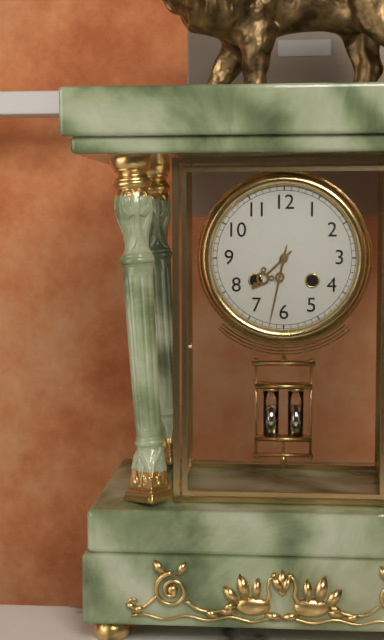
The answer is 7:32
